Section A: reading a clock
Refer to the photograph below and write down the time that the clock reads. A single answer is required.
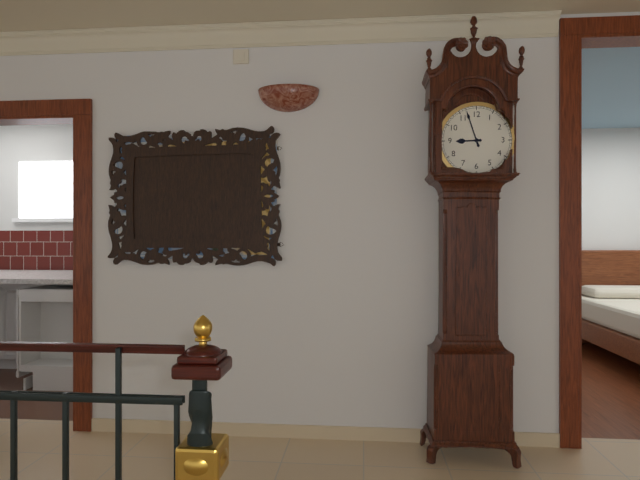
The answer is 8:57
